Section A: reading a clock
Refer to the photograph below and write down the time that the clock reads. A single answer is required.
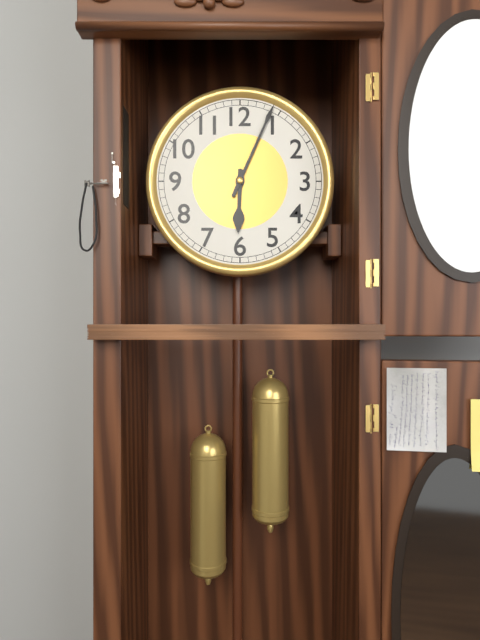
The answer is 6:04
